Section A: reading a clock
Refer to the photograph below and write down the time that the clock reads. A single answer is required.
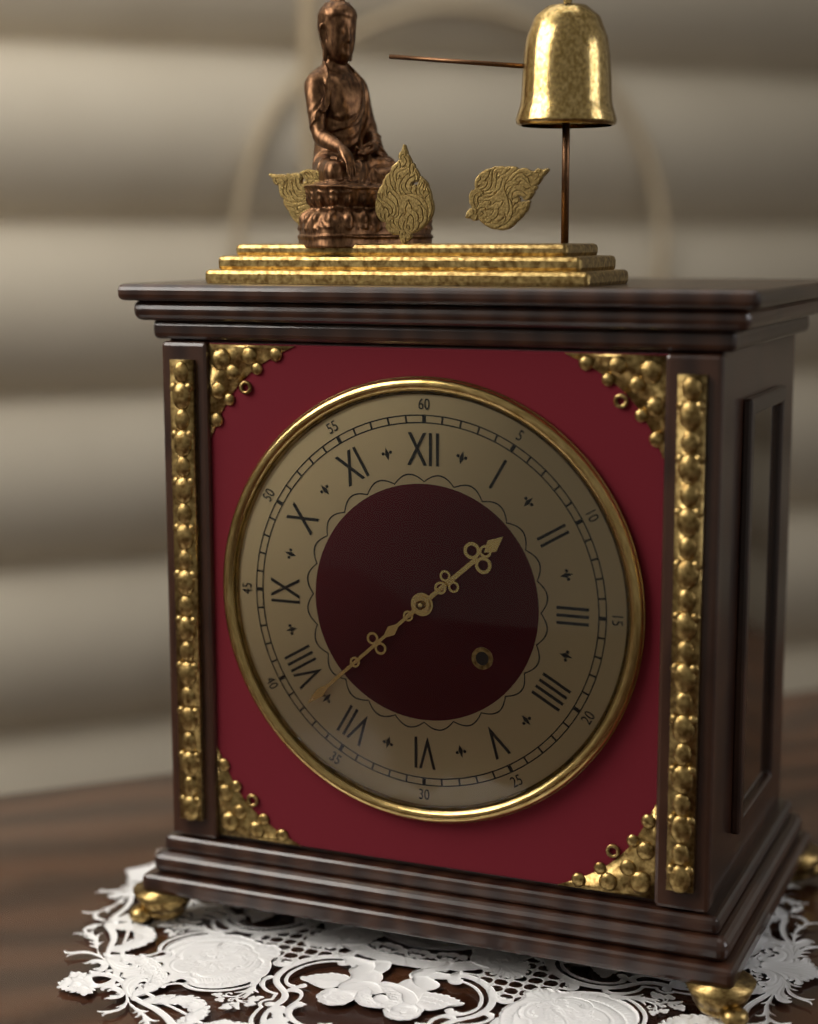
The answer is 1:38
